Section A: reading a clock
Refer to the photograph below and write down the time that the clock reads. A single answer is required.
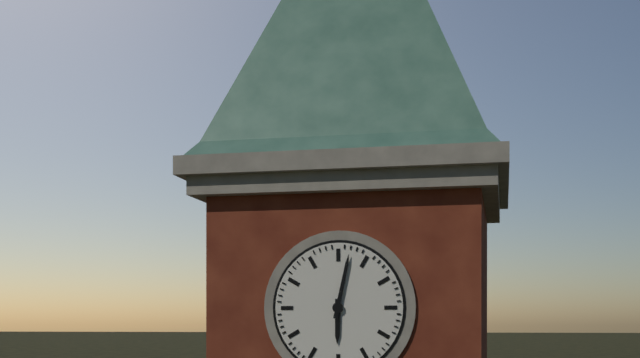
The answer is 6:02
